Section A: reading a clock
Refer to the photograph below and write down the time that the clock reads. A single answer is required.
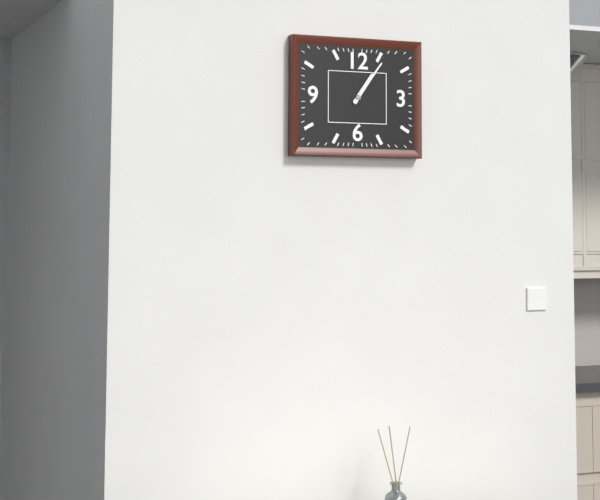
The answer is 1:06
